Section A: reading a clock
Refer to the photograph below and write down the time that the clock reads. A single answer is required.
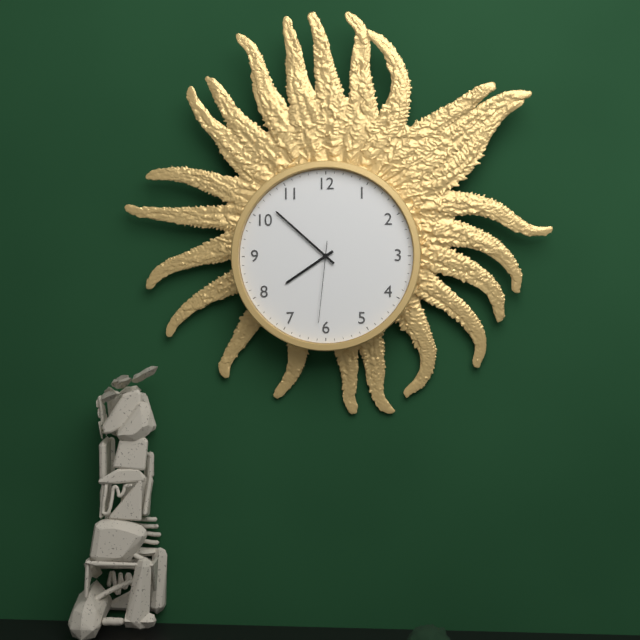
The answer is 7:52:31
